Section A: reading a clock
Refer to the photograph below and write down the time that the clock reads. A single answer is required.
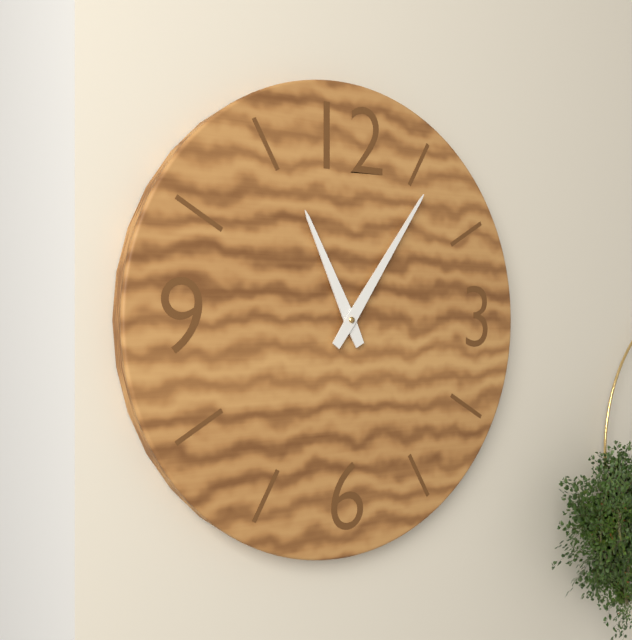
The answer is 11:06
